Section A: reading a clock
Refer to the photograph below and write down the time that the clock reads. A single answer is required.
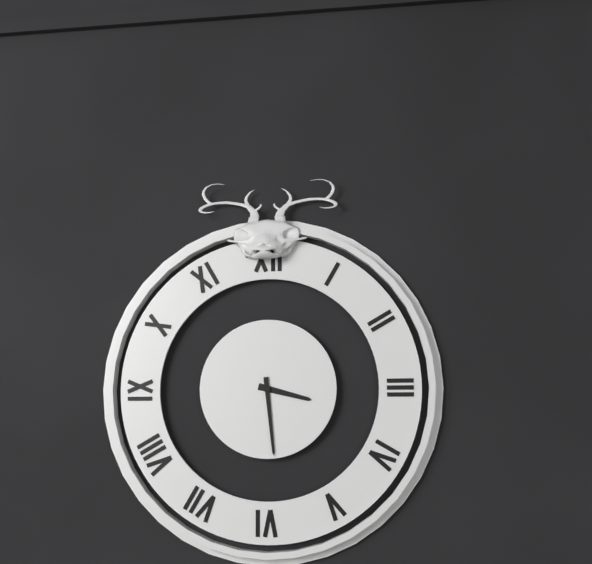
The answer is 3:29
